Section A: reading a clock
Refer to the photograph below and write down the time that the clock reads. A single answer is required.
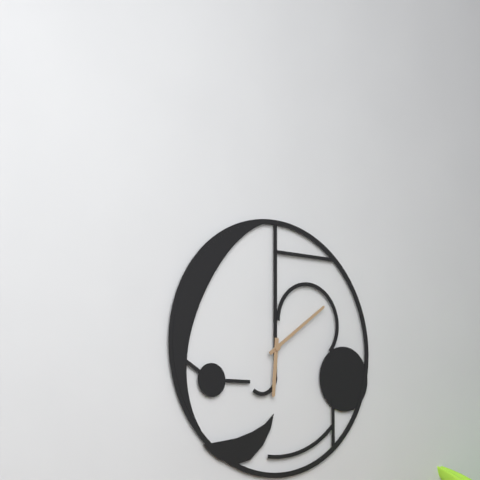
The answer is 6:09
